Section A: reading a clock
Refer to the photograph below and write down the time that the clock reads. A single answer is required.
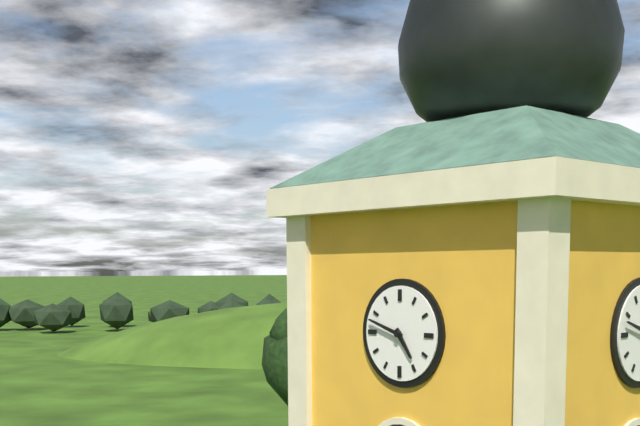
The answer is 4:48
